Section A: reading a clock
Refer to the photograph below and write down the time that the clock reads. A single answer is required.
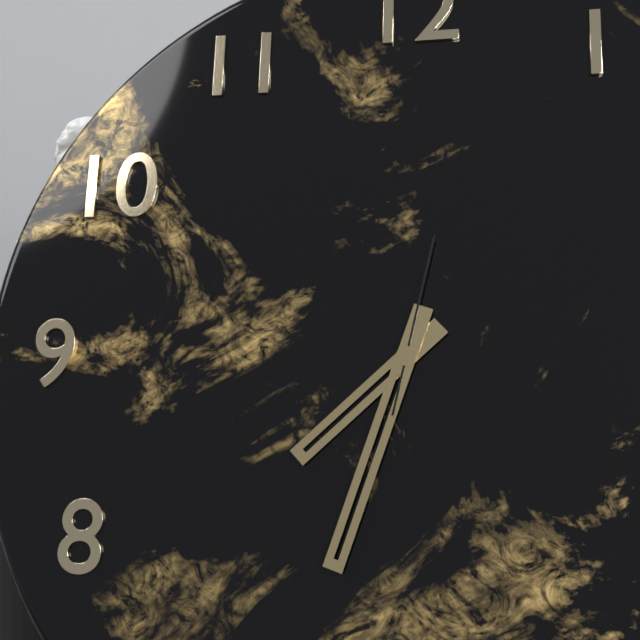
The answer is 7:33:02
